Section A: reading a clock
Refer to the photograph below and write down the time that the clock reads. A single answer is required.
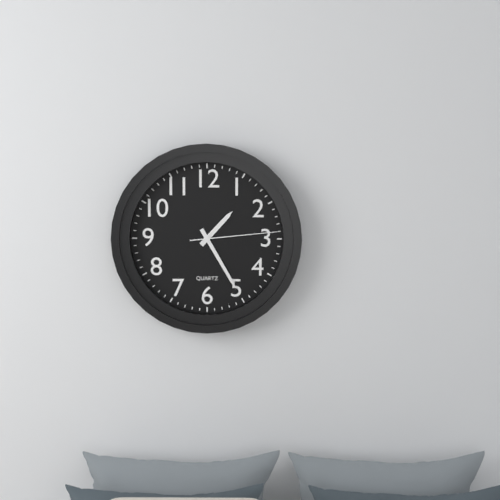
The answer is 1:25:14
